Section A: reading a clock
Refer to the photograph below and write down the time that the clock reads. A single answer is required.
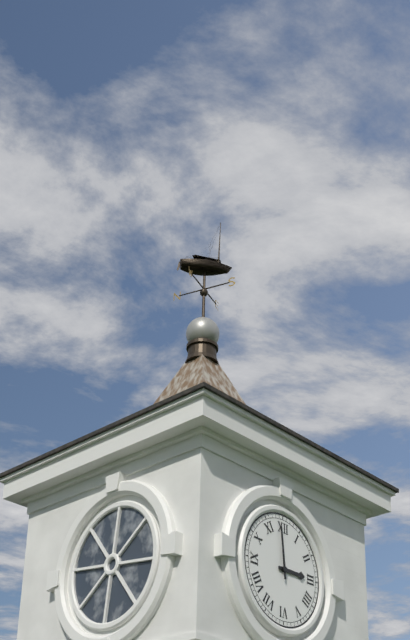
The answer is 2:59
